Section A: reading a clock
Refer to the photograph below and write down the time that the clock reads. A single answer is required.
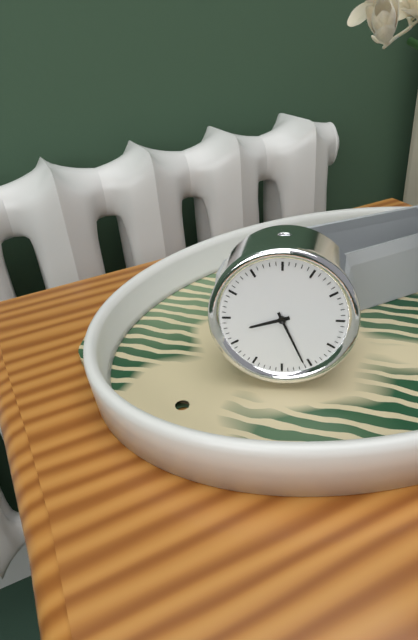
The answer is 8:26
